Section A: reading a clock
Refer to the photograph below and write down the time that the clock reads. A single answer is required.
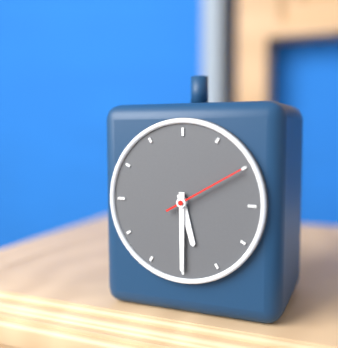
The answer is 5:30:10
